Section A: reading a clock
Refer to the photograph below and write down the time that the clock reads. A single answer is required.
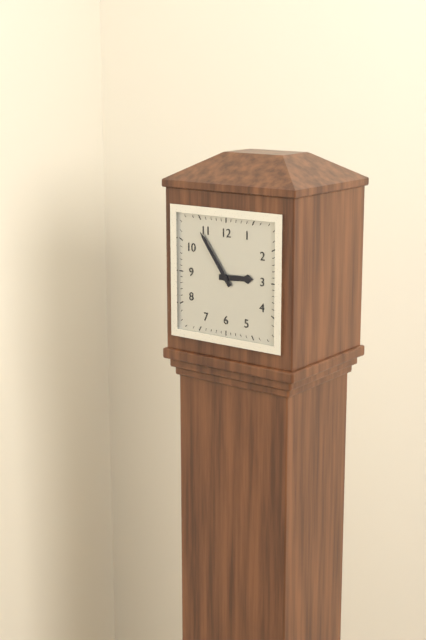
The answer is 2:54
